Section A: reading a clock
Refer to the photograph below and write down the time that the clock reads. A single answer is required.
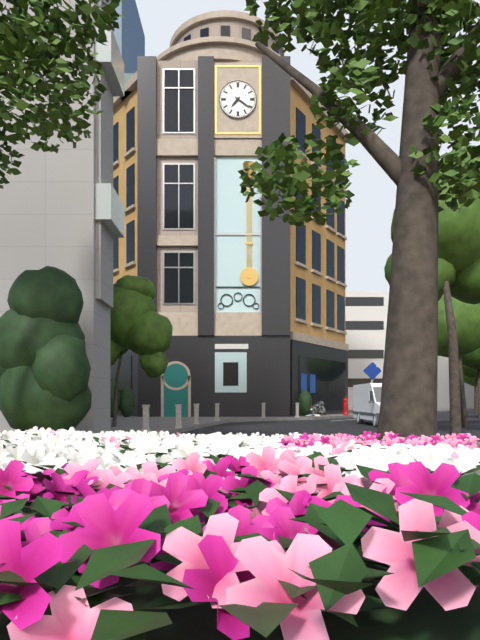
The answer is 7:21
